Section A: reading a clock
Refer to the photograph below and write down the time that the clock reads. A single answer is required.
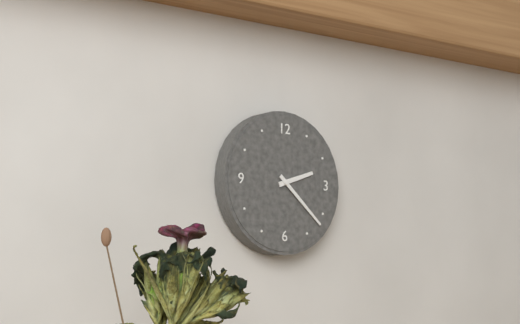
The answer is 2:22
